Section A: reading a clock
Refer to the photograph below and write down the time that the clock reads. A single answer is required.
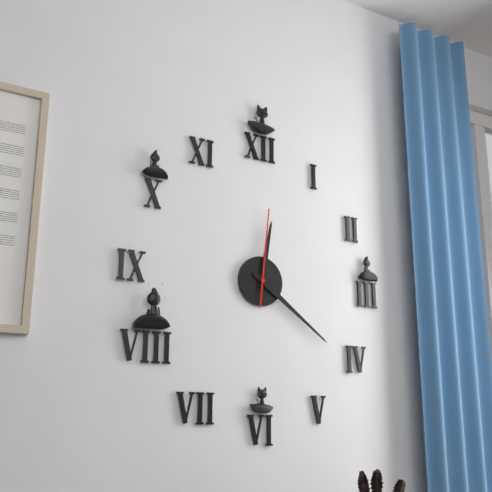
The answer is 12:21:01
